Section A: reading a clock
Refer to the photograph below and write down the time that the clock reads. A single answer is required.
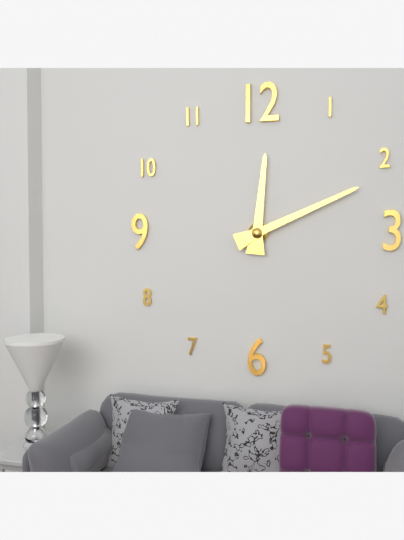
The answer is 12:11
